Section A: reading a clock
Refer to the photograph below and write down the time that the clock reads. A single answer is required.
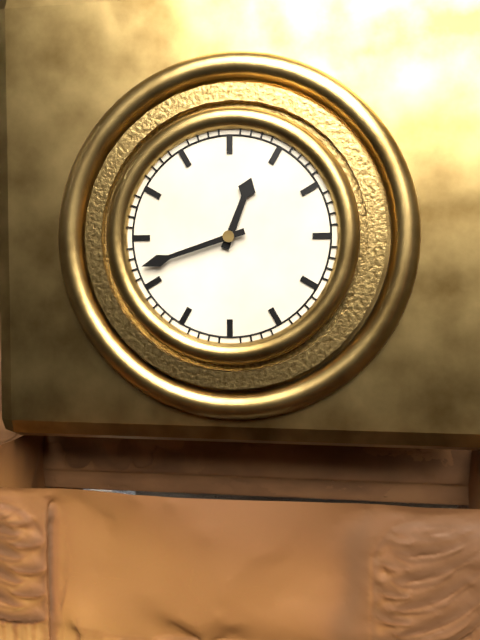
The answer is 12:42
